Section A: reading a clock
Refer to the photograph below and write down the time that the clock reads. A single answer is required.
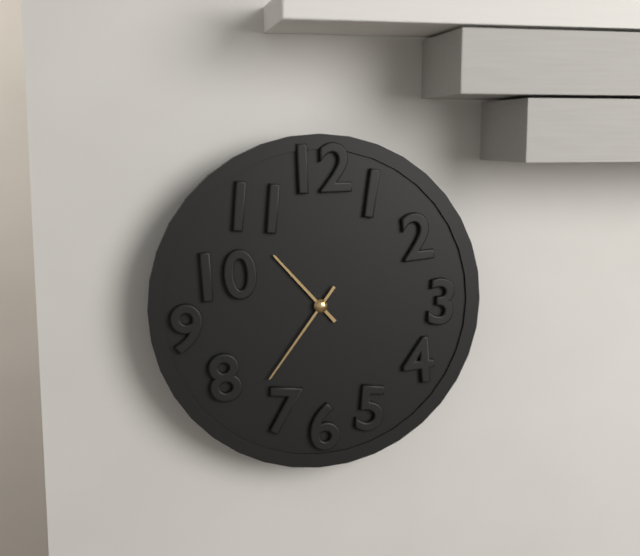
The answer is 10:36
